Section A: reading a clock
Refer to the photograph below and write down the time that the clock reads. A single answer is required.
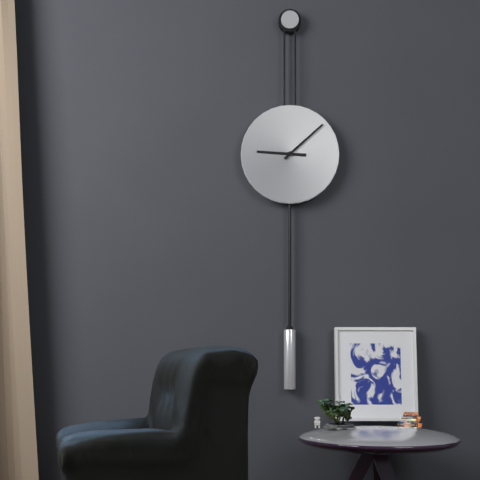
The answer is 9:08
